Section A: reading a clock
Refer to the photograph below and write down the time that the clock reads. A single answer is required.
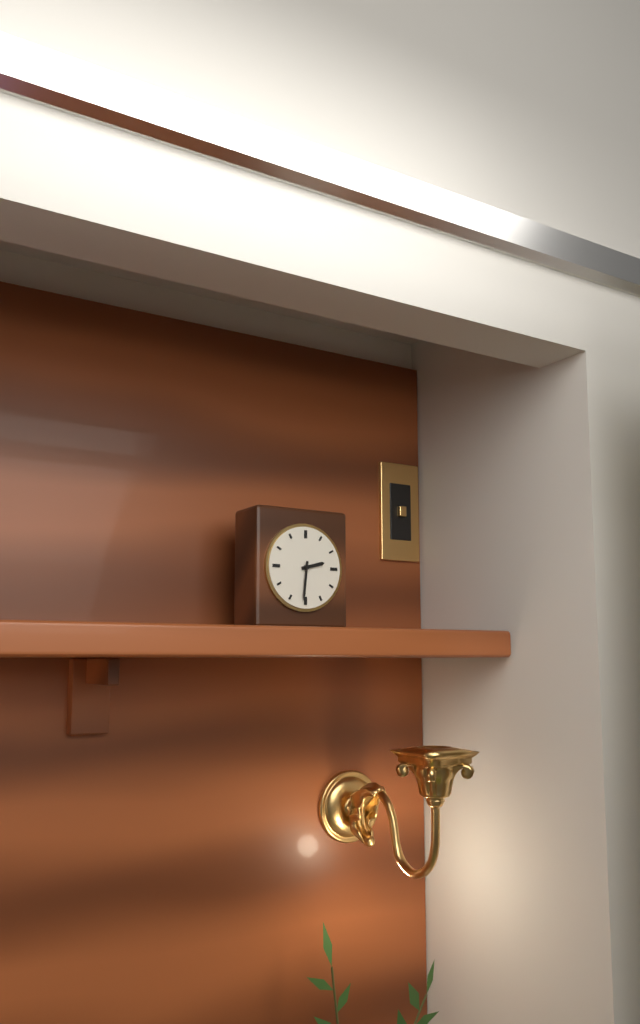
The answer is 2:31
